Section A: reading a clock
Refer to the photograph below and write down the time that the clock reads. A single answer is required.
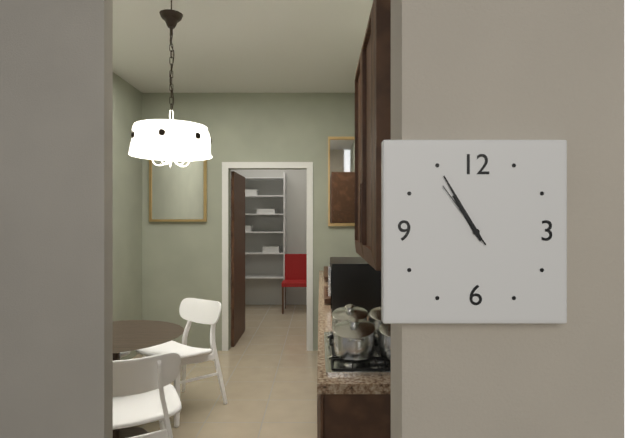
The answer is 10:55:54
